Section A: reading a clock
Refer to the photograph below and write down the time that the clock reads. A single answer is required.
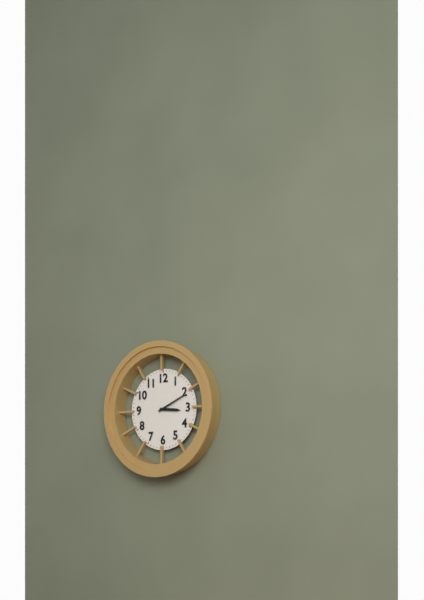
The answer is 3:11
